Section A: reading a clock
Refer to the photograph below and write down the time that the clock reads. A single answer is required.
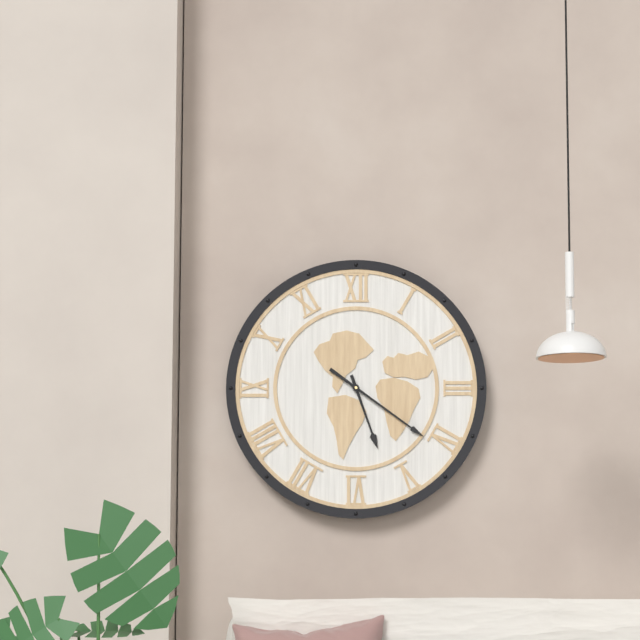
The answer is 5:21
